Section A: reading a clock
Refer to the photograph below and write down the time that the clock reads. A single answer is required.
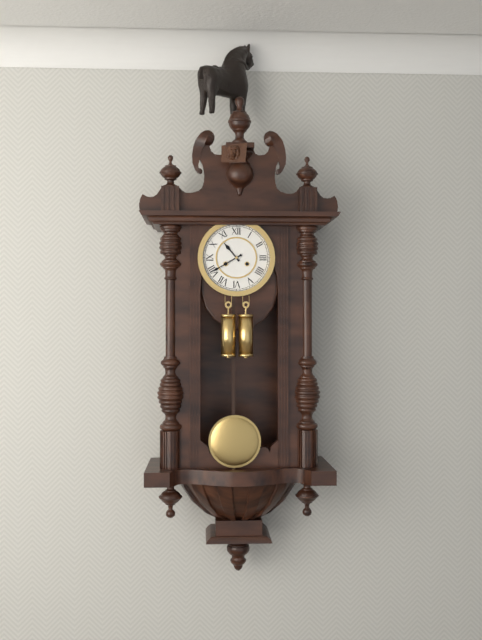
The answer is 10:40
